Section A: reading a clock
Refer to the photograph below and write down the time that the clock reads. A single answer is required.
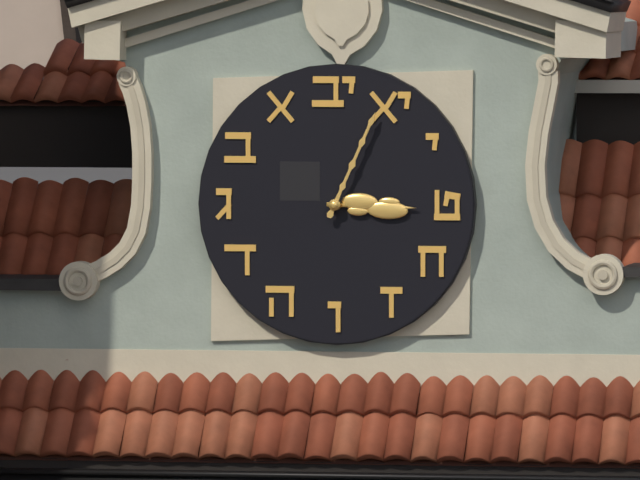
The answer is 3:04
